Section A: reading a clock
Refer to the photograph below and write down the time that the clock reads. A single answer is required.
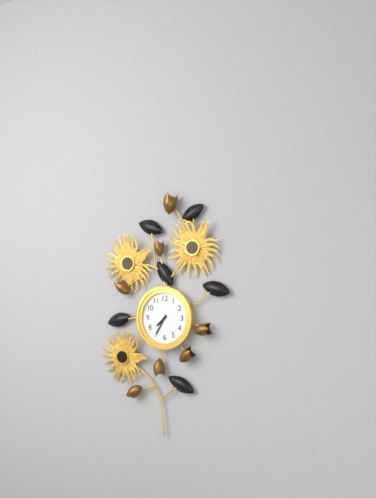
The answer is 7:35
